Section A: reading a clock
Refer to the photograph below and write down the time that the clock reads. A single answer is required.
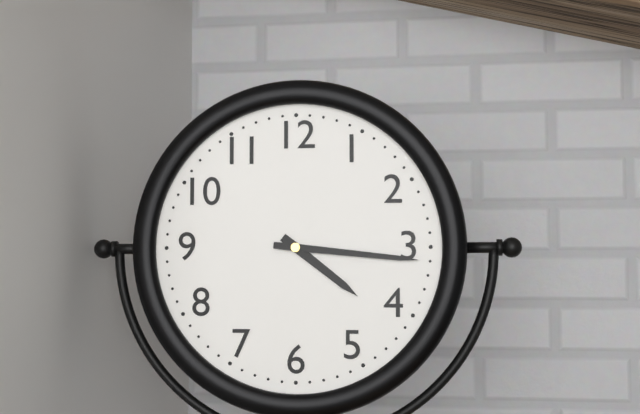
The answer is 4:16
